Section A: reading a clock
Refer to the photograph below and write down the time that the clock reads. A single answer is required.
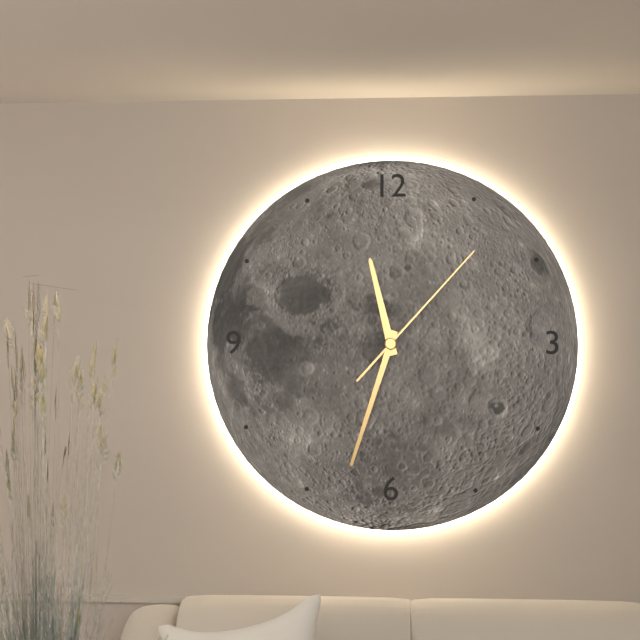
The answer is 11:33:07
